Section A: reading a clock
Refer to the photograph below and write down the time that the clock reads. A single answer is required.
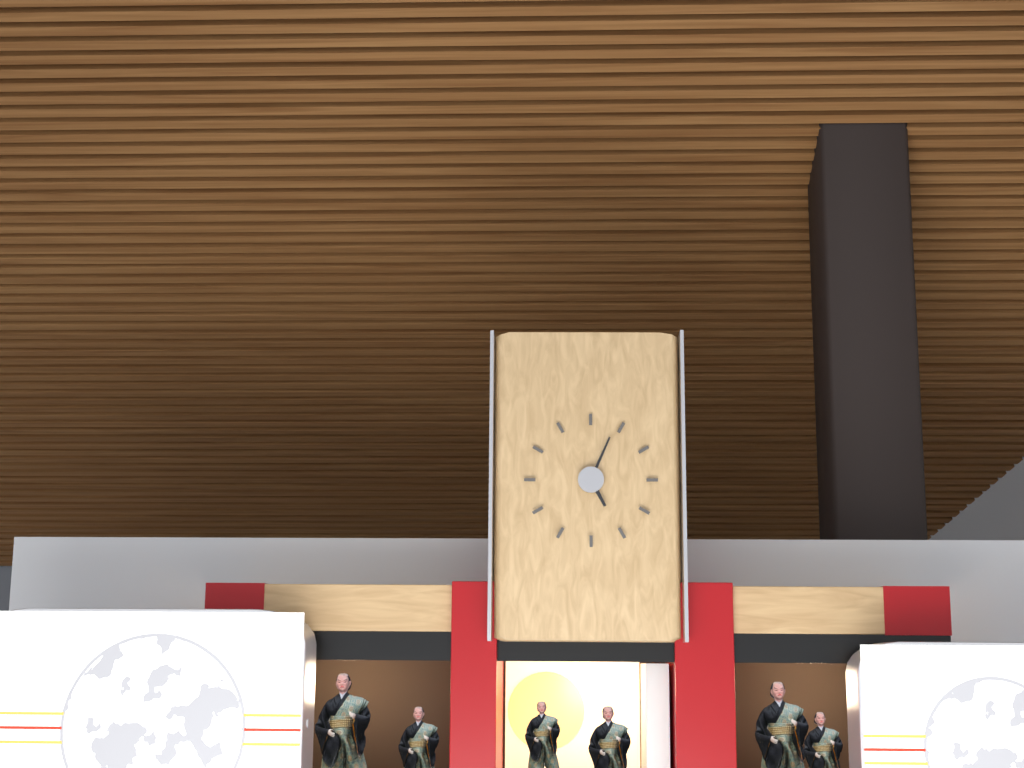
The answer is 5:04
